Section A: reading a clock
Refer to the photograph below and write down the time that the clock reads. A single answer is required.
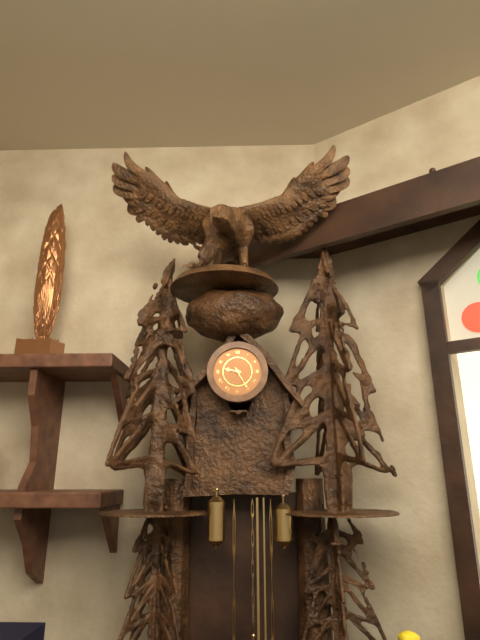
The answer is 9:25
